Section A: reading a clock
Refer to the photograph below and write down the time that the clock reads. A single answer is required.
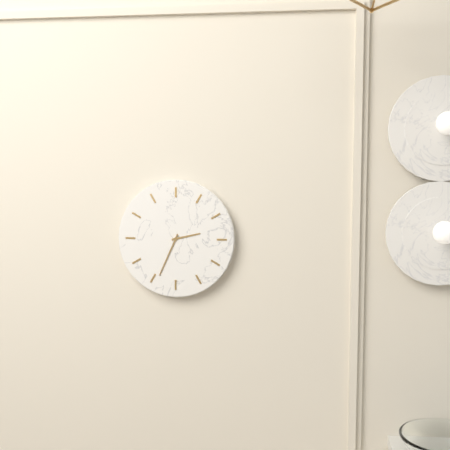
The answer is 2:34
